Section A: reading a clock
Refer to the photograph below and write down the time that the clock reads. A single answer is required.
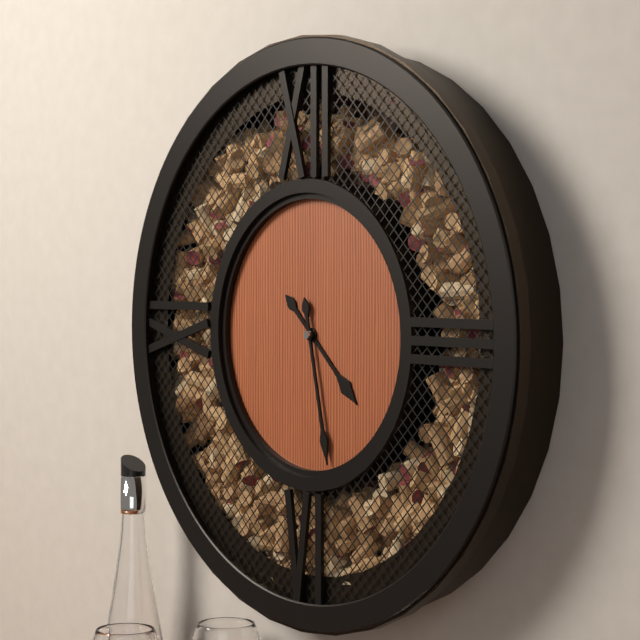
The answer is 4:28
